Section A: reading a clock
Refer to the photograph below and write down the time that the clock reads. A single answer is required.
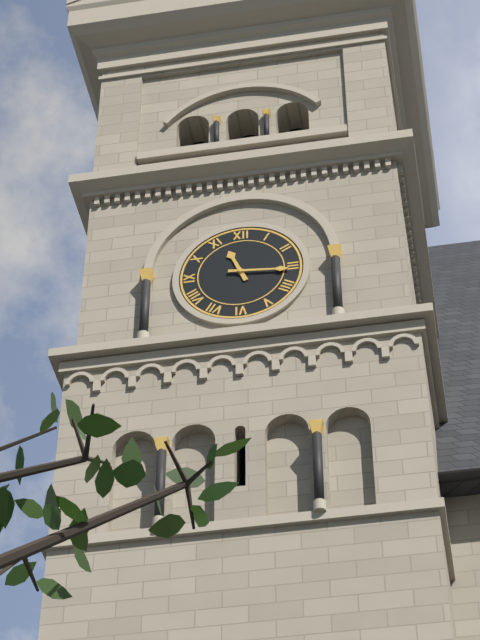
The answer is 11:16
